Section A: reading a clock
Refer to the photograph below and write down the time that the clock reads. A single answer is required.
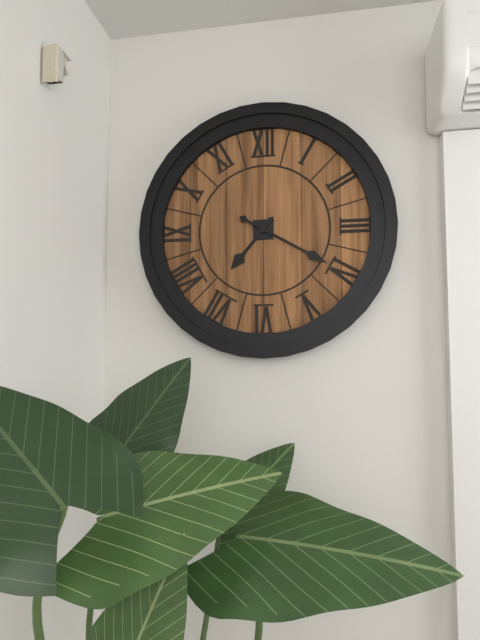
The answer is 7:20
